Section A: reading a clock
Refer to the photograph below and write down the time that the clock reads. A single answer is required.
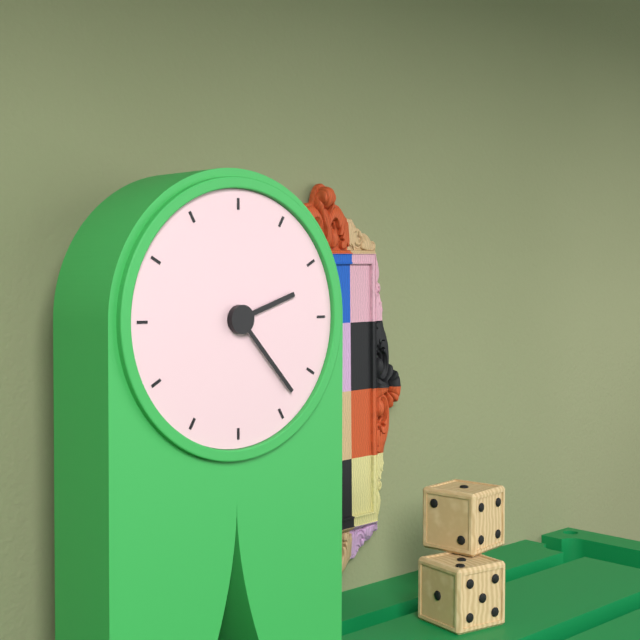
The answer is 2:23
